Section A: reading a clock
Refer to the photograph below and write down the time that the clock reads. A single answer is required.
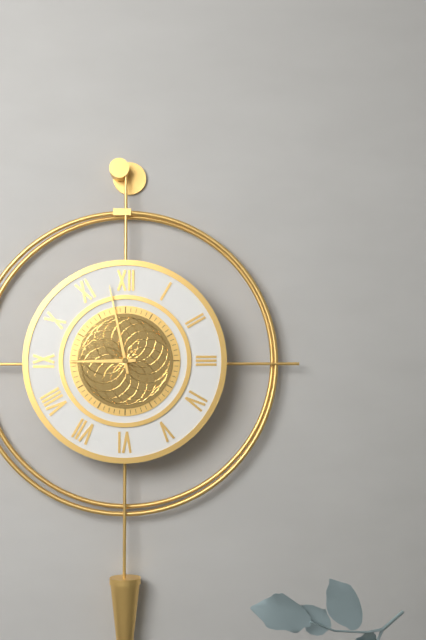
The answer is 8:58
